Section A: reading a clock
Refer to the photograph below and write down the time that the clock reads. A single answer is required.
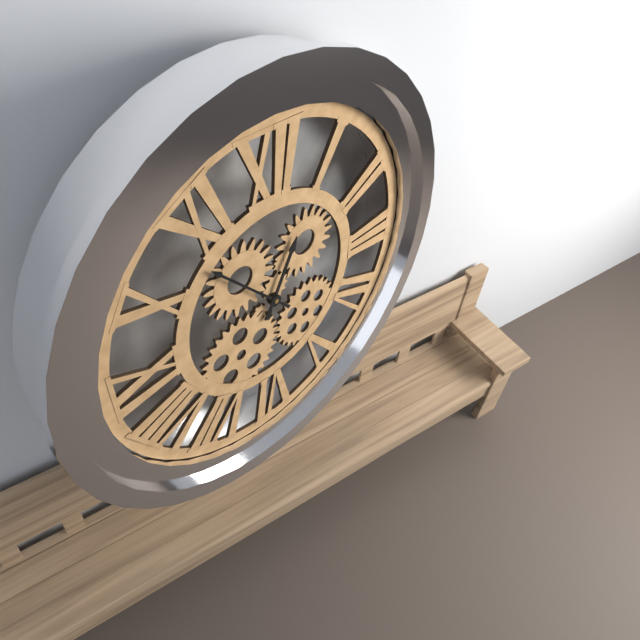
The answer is 12:53
